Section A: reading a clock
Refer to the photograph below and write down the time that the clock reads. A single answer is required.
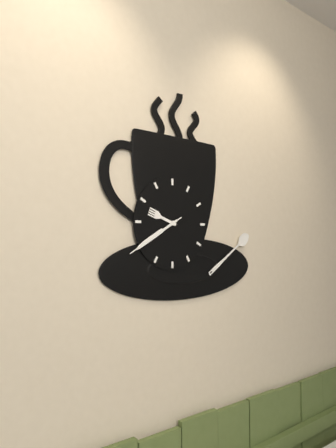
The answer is 9:40:40
